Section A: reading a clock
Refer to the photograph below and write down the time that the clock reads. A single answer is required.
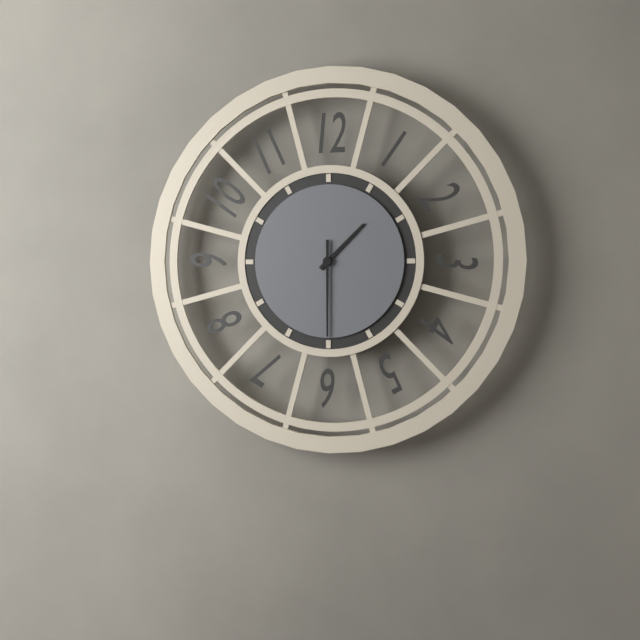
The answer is 1:30
